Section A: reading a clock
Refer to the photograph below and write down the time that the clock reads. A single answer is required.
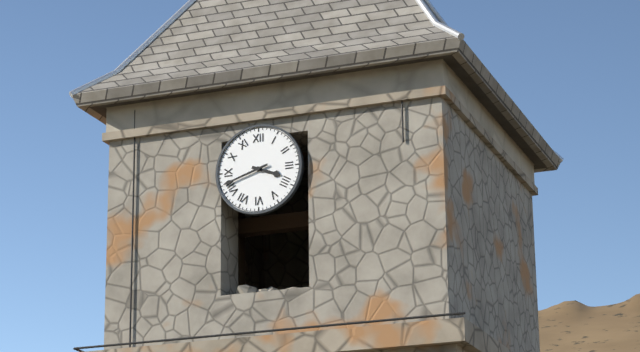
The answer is 3:42
